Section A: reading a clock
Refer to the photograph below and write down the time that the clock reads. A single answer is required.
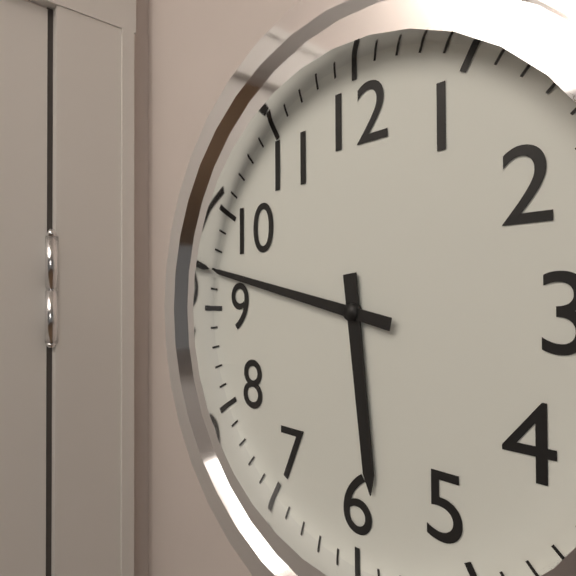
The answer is 5:47
